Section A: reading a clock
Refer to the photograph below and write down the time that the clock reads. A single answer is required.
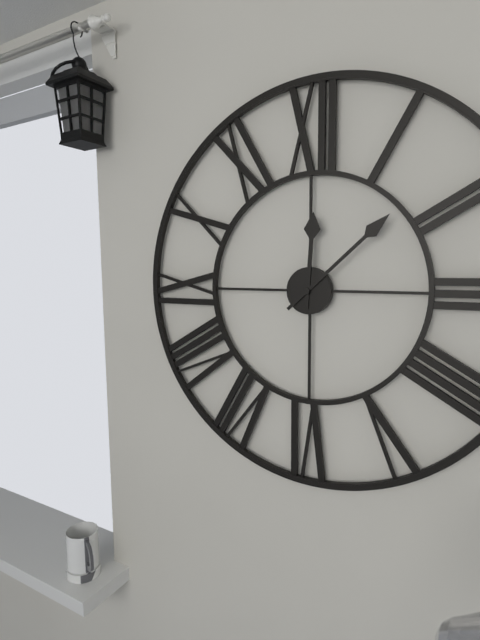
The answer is 12:08
